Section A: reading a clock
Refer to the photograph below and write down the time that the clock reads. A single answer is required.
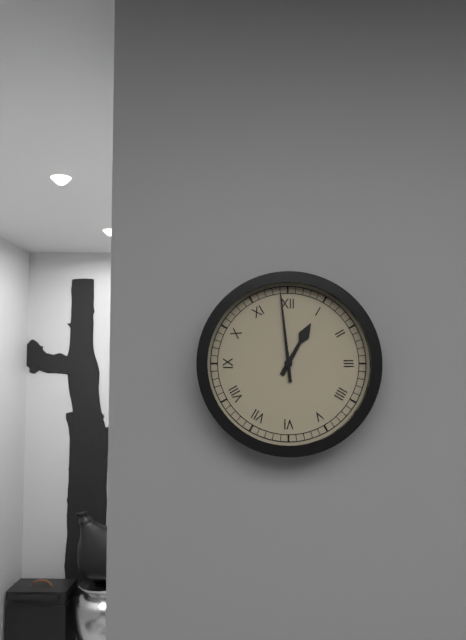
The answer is 12:59
